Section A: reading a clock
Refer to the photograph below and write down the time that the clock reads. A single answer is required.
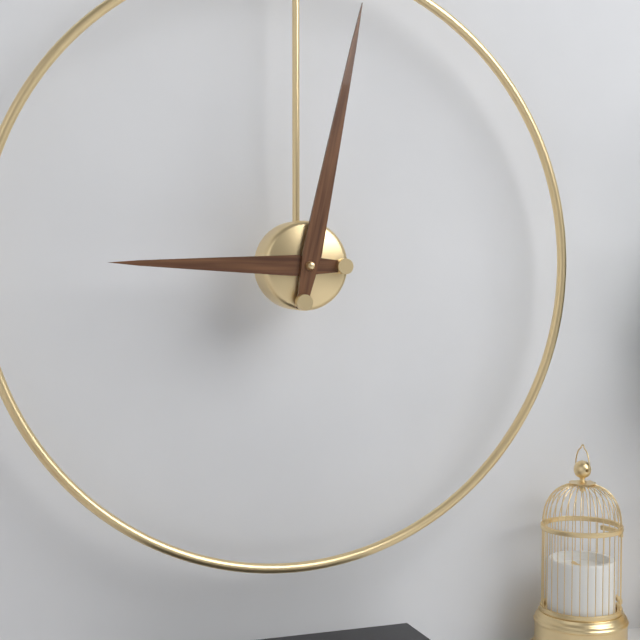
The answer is 9:02
